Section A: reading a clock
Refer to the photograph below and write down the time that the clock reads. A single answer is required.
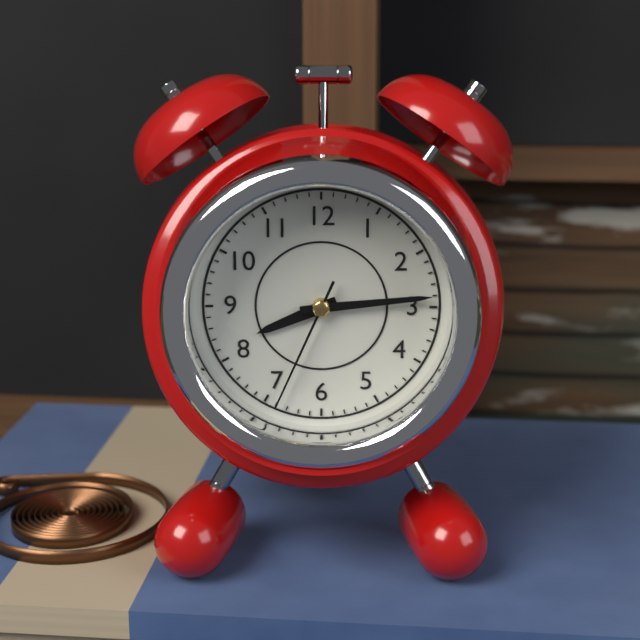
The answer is 8:14:34
